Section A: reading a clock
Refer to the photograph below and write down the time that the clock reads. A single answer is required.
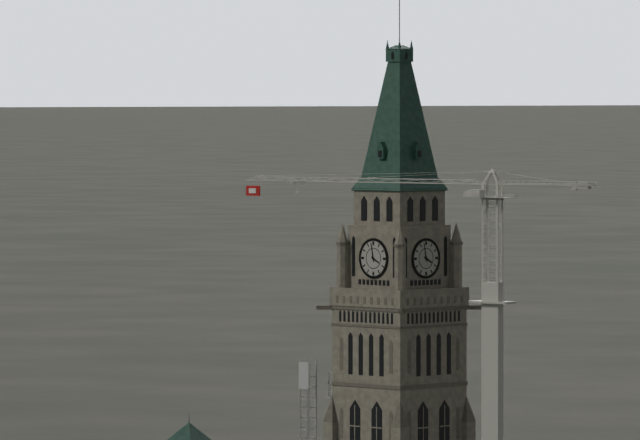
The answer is 3:58
